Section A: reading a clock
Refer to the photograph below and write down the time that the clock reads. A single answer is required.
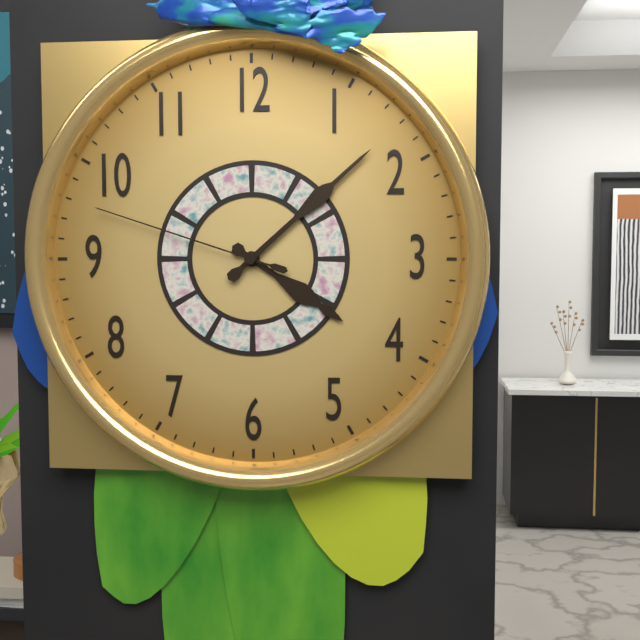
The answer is 4:08:48
